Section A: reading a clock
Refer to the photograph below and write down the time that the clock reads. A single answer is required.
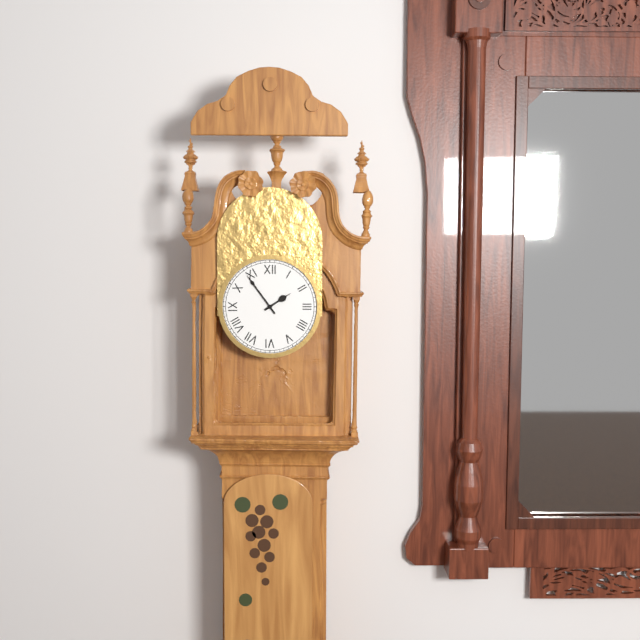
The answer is 1:54
